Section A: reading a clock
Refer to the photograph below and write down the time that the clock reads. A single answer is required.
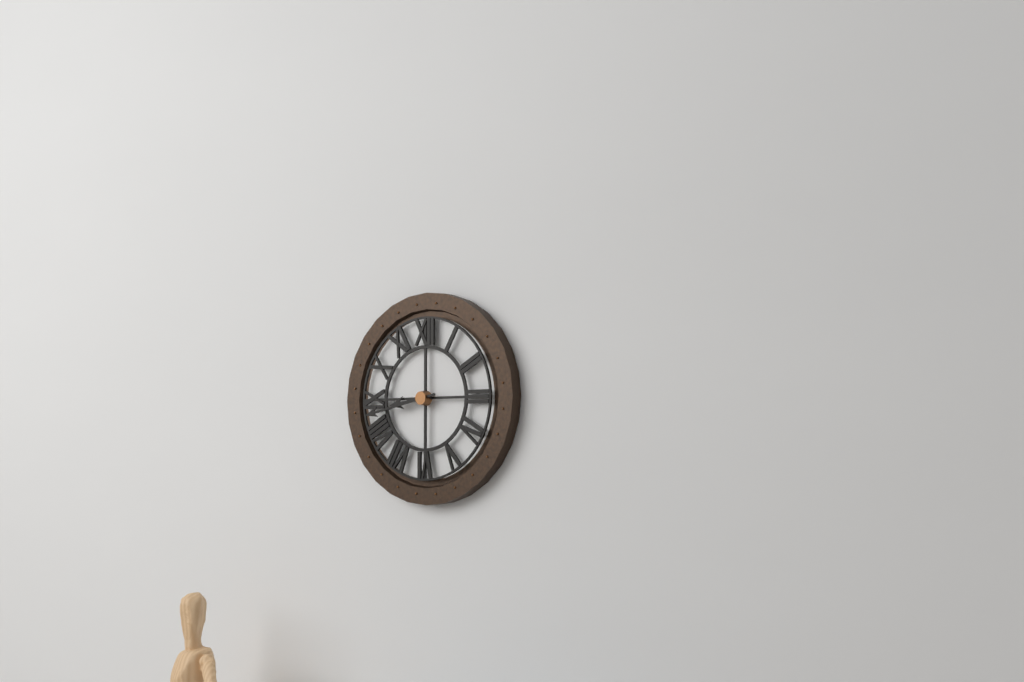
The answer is 8:43
